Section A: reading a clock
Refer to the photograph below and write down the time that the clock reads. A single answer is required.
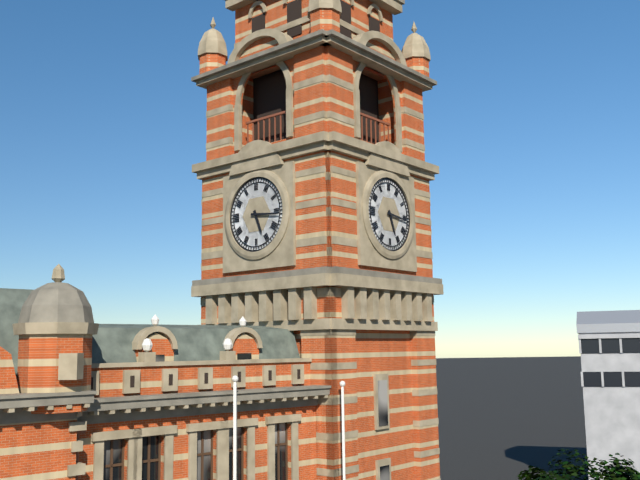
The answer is 5:16
